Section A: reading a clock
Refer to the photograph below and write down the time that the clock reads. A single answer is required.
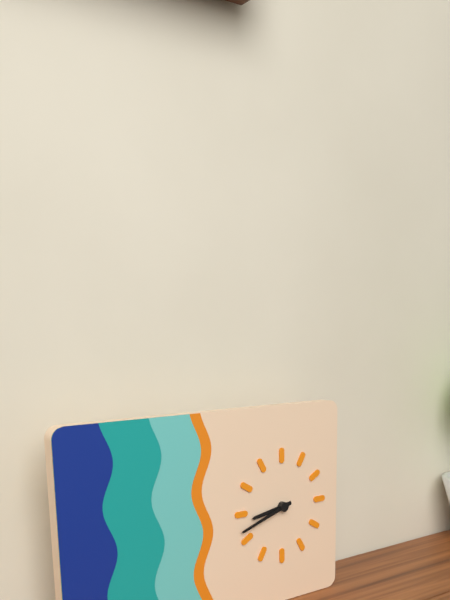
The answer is 8:42
